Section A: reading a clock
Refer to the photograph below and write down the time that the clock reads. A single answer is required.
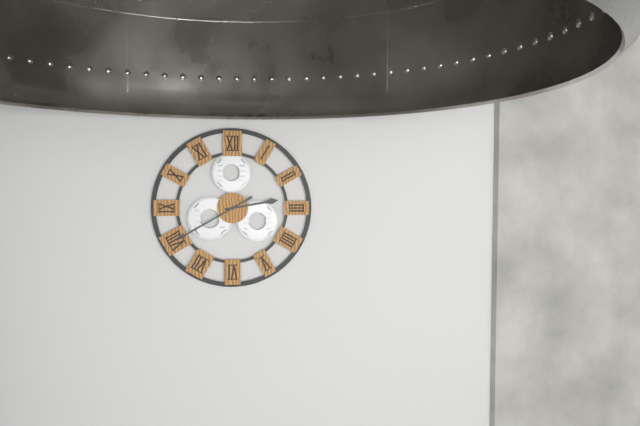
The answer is 2:40
